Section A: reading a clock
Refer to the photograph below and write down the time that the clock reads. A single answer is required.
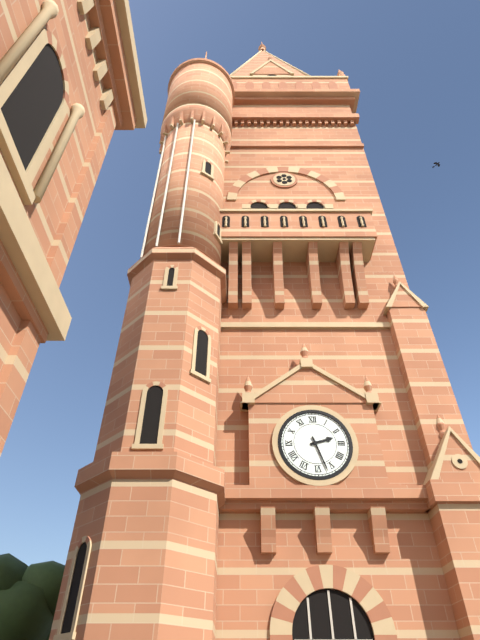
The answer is 2:27
